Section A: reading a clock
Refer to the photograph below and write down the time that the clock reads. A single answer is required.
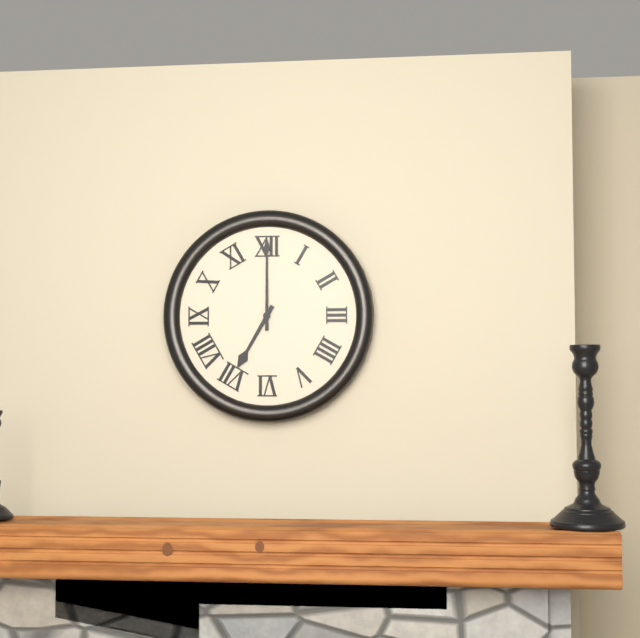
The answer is 7:00
